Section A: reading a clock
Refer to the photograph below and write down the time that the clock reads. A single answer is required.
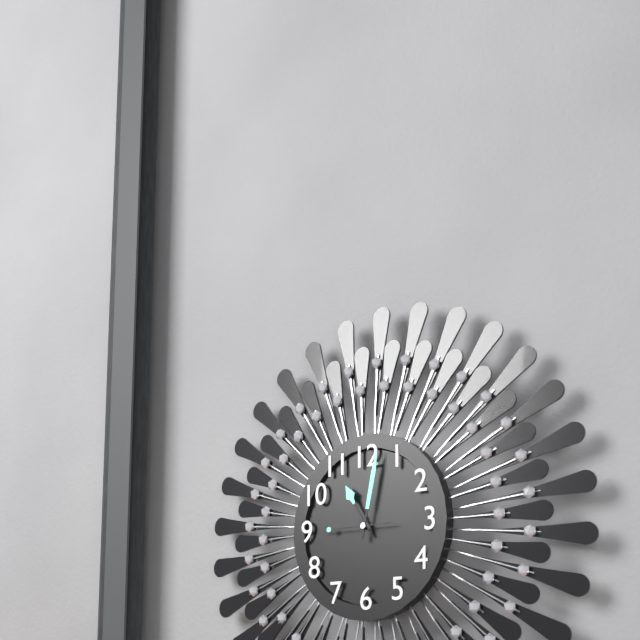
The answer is 11:02:45
